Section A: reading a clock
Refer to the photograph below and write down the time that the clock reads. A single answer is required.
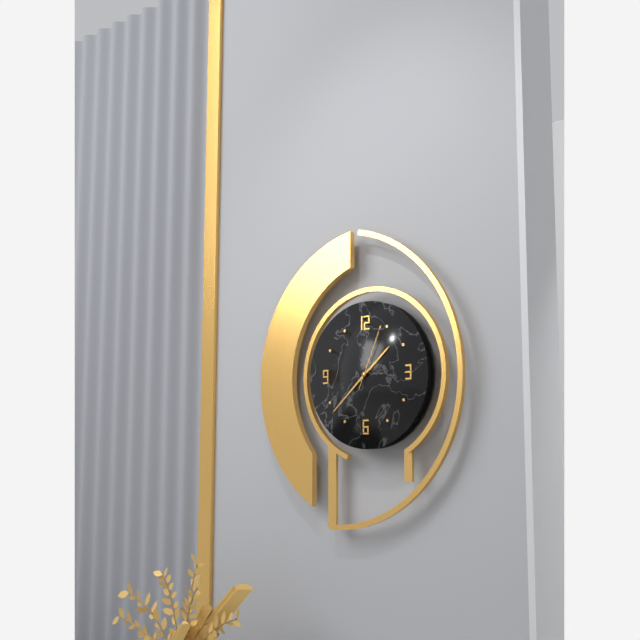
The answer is 1:38:04
